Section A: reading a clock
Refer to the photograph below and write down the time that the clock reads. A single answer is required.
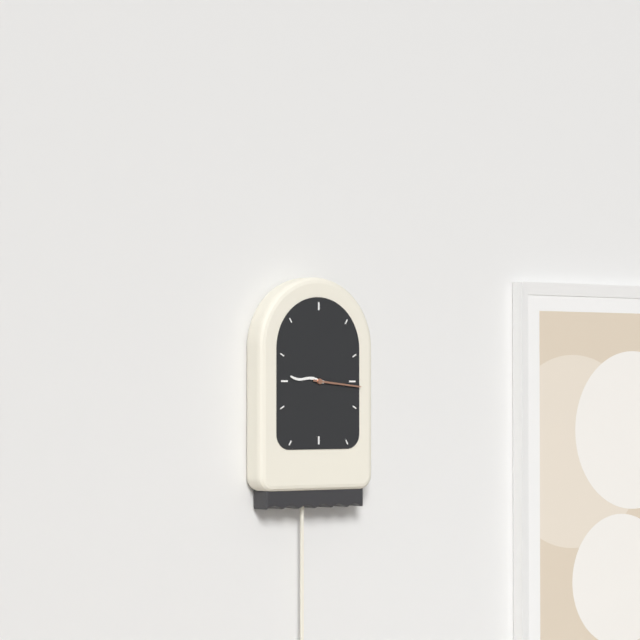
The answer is 9:16
